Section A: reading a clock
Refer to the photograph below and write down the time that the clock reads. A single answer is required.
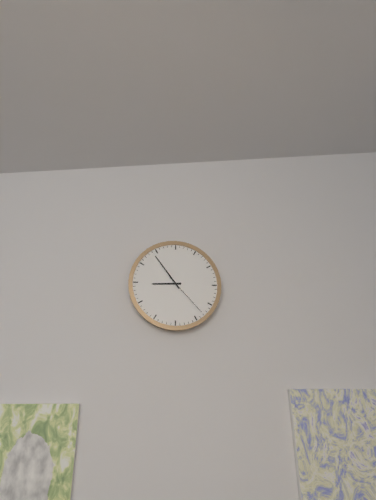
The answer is 8:54
